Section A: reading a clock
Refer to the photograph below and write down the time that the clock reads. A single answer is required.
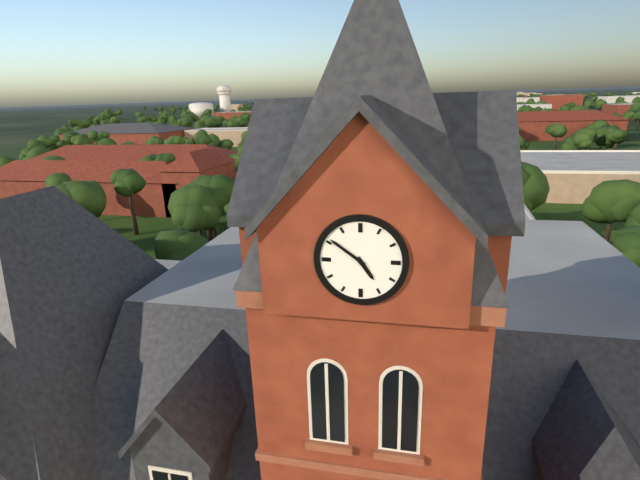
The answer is 4:51
